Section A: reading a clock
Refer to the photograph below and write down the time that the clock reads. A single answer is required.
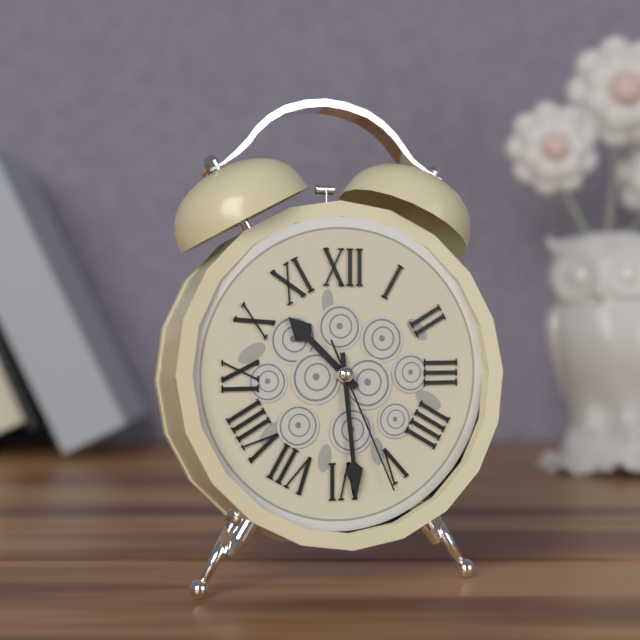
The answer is 10:29:26
